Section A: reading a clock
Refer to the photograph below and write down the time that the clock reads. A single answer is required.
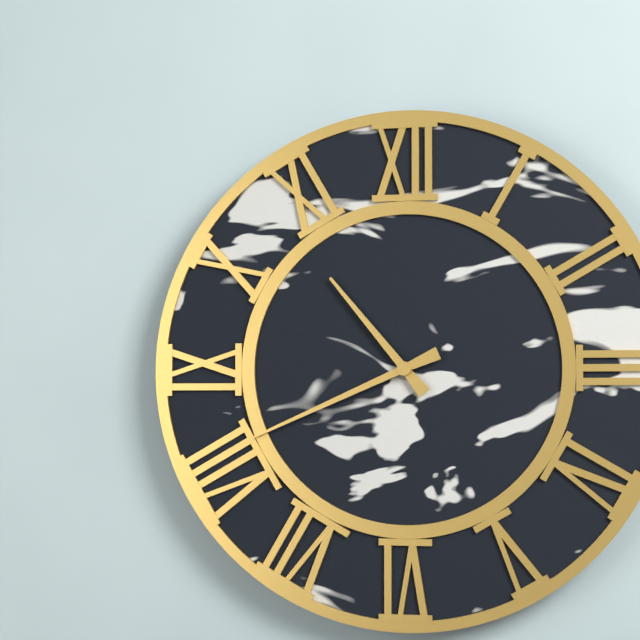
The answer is 10:41
